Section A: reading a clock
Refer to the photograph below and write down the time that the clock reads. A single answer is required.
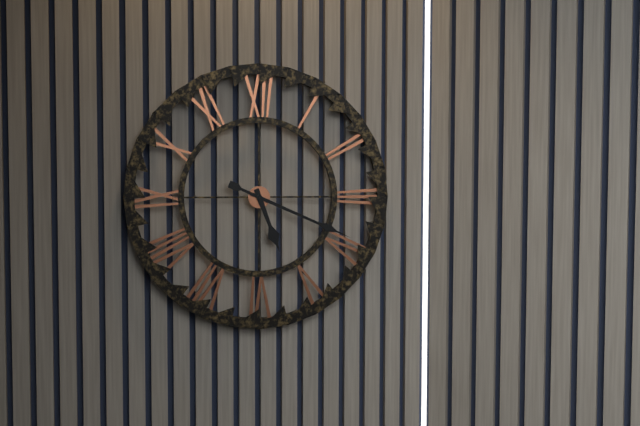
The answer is 5:19
